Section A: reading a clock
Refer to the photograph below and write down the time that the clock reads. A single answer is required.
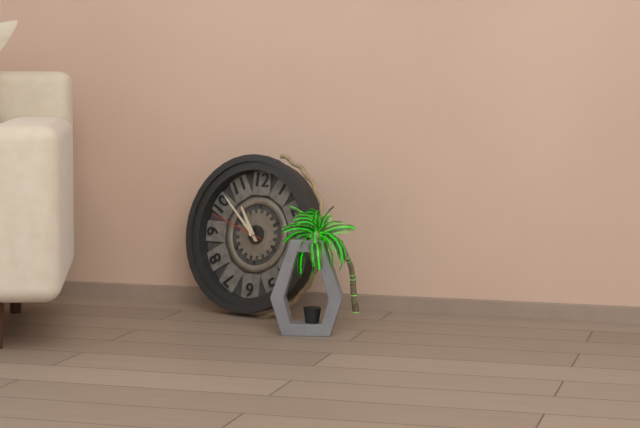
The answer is 10:52:48
